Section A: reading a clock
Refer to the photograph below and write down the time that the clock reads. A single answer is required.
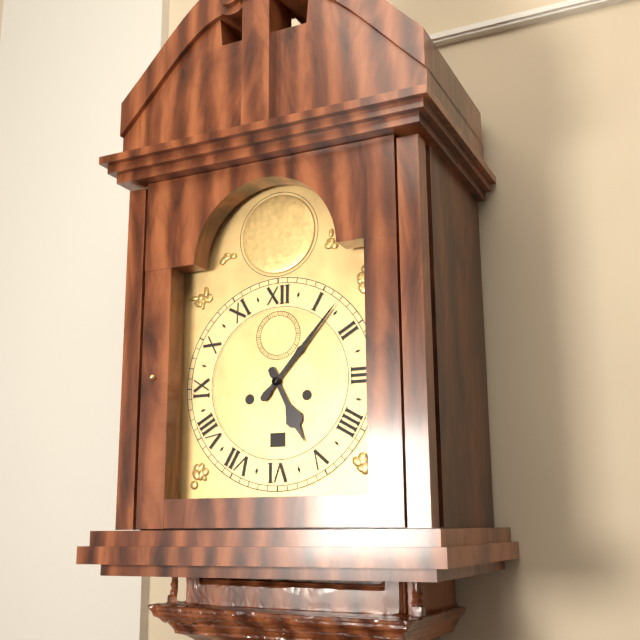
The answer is 5:07
